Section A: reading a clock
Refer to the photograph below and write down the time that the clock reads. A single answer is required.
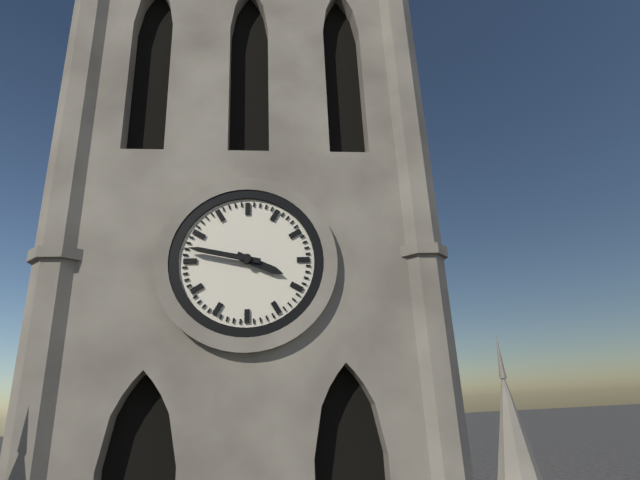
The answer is 3:47
